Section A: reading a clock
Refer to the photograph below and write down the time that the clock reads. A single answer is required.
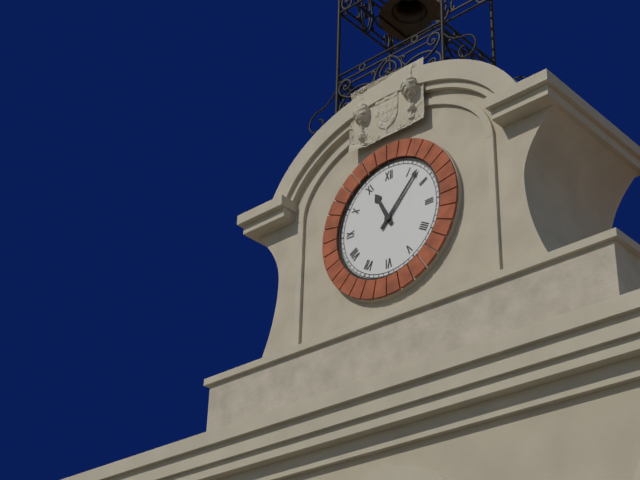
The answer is 11:07
